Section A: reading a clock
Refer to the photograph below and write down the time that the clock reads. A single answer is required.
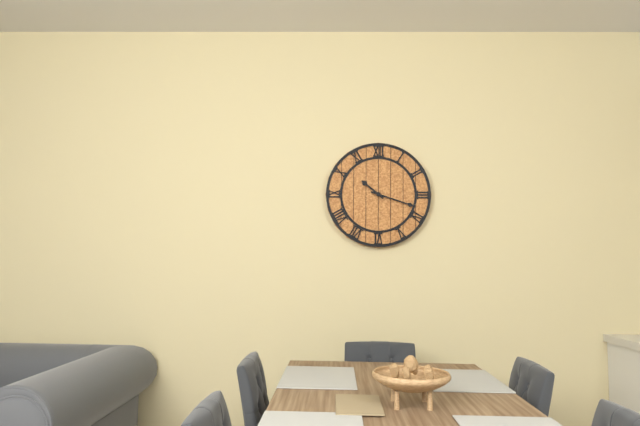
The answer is 10:18
